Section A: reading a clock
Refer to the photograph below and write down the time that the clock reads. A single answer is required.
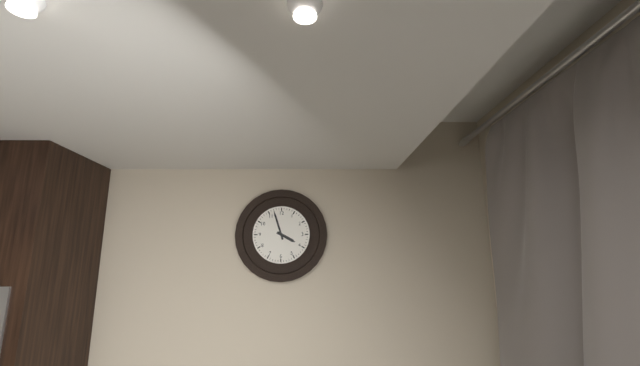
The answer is 3:57
